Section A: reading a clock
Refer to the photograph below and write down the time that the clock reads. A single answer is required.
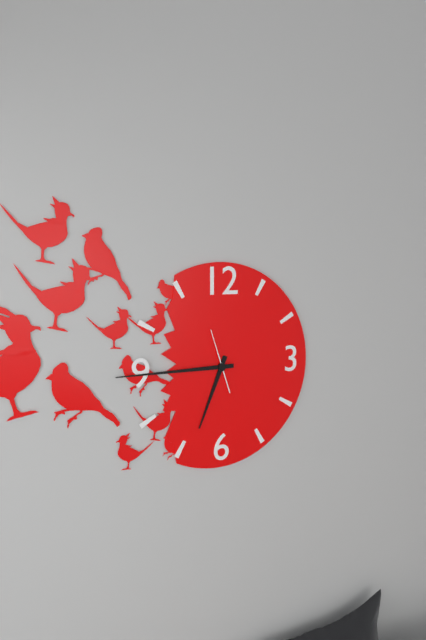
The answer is 6:45
